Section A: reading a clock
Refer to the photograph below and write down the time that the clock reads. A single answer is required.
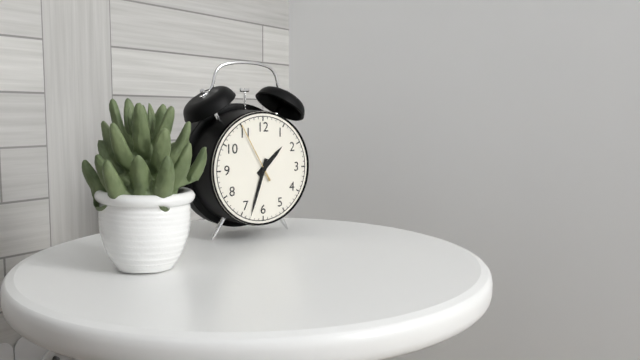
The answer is 1:33:55
